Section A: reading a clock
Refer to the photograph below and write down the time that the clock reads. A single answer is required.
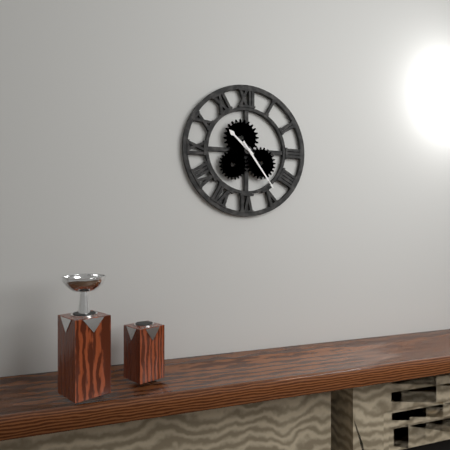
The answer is 10:24
